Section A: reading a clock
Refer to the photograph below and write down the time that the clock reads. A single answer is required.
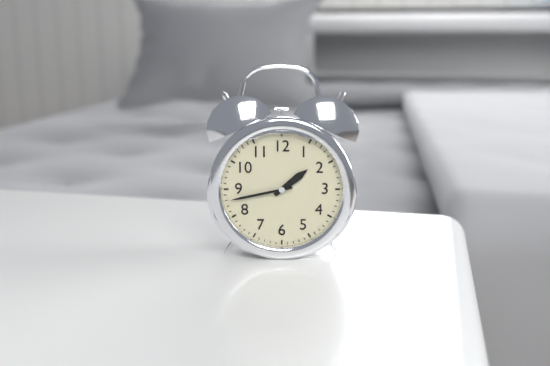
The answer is 1:43
